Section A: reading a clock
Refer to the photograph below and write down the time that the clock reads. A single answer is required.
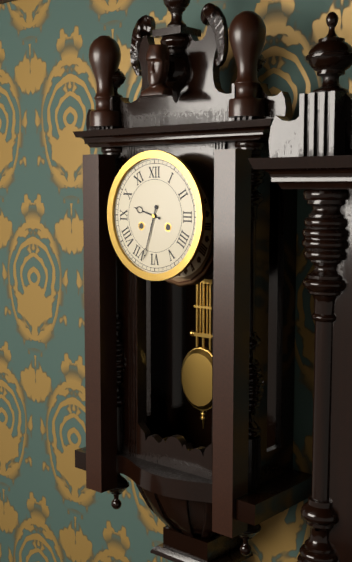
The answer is 9:33
